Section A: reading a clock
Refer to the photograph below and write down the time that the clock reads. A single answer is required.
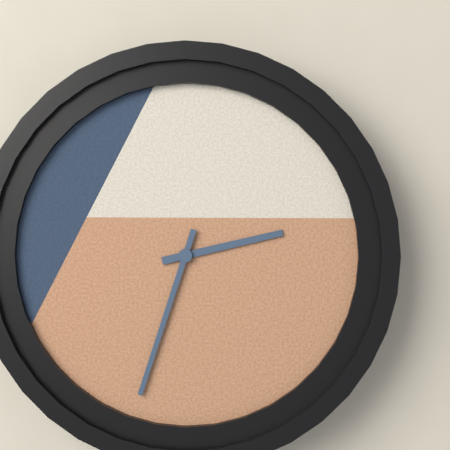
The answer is 2:33
